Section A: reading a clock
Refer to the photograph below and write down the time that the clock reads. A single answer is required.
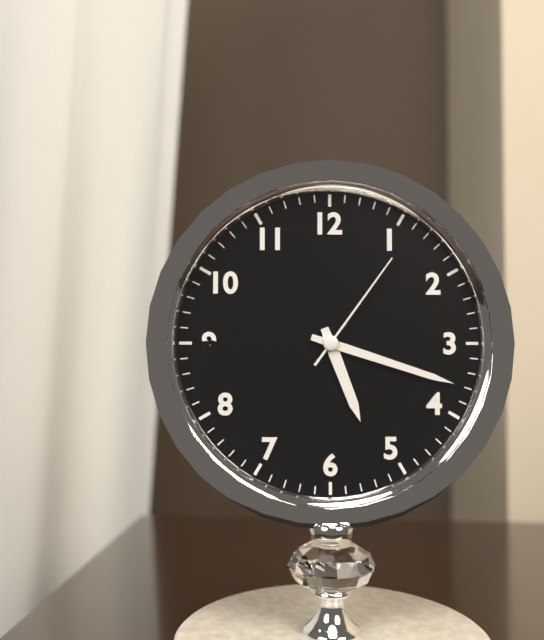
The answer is 5:18:06
